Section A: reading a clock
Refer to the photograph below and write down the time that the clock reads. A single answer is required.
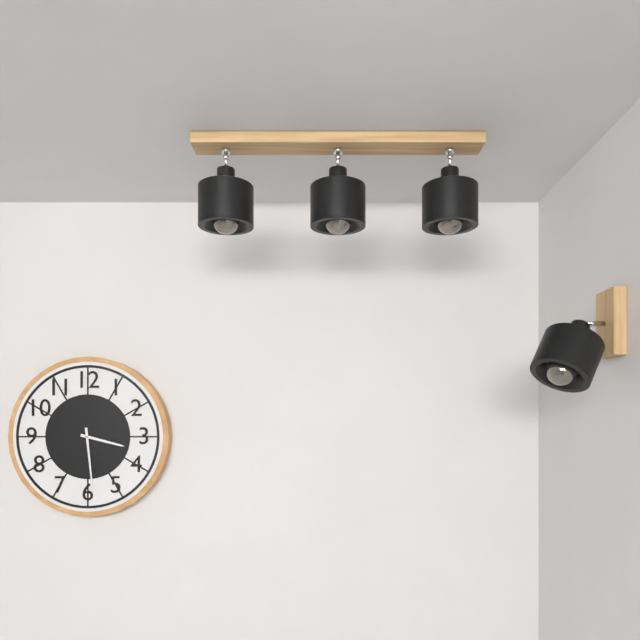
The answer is 3:29
